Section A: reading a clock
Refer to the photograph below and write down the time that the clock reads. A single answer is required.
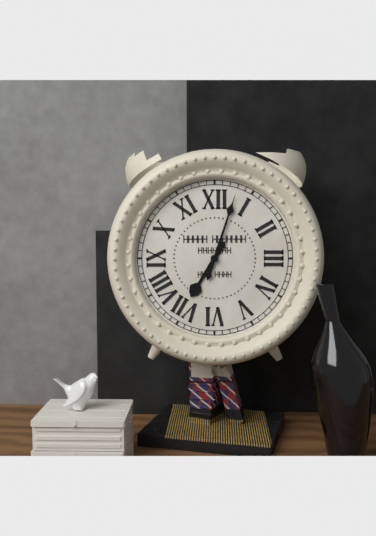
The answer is 7:03
